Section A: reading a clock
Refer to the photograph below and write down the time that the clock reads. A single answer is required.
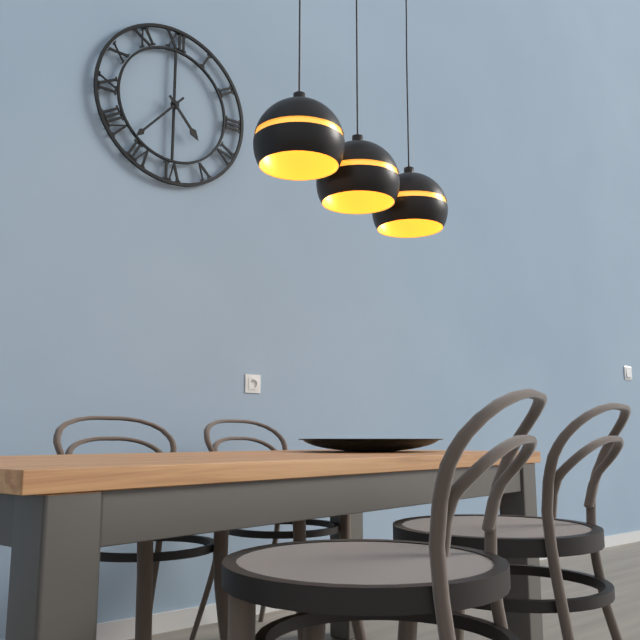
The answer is 4:37
